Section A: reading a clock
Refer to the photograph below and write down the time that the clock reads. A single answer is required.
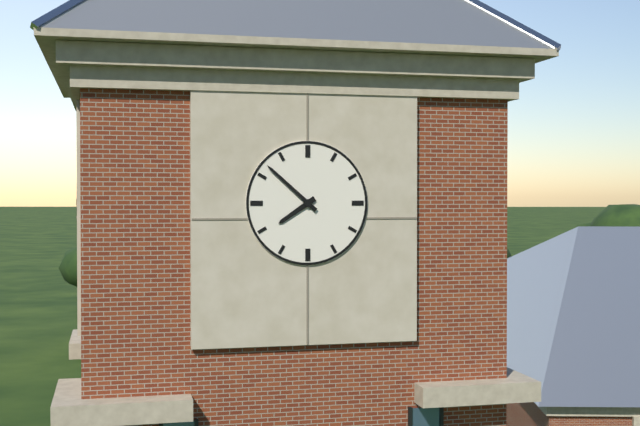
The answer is 7:52
